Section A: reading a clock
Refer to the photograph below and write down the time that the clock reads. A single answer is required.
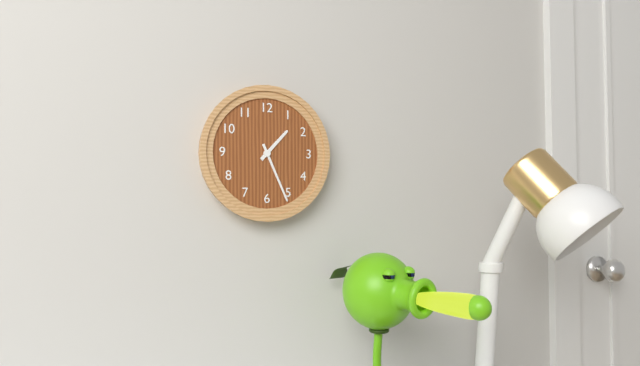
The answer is 1:26
